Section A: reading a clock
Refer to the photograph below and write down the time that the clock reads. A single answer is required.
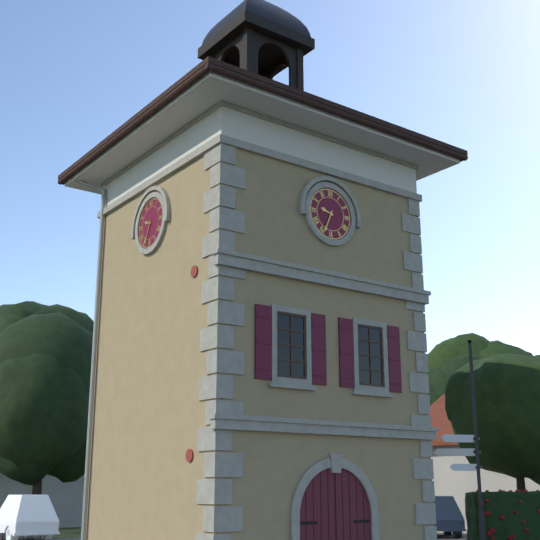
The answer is 9:34
